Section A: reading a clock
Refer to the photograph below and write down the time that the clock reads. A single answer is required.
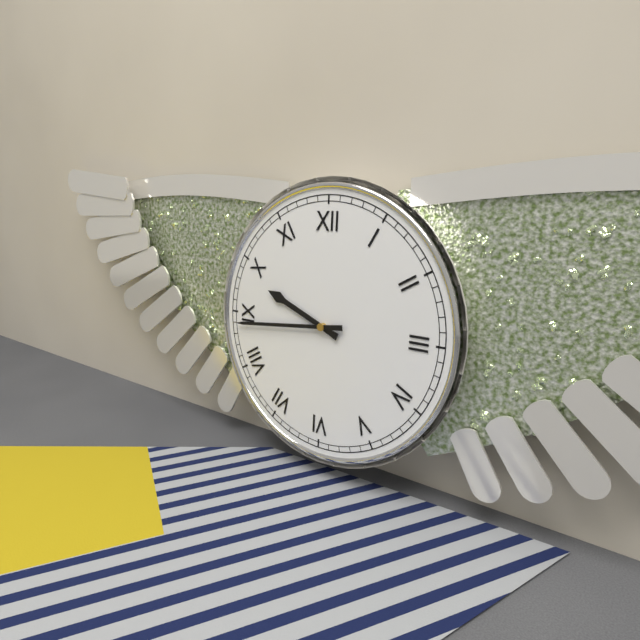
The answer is 9:44
